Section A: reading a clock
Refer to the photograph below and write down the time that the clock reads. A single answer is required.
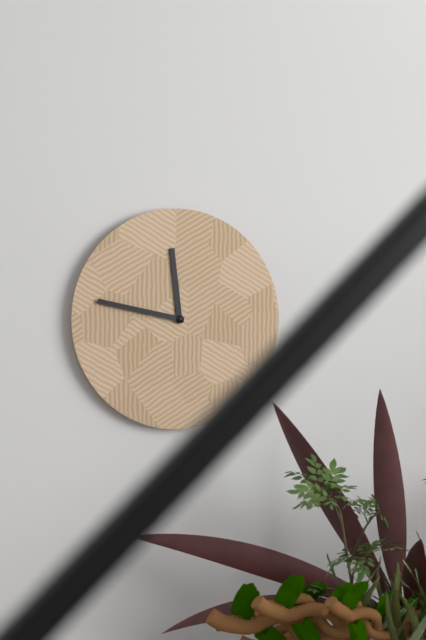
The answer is 11:47
